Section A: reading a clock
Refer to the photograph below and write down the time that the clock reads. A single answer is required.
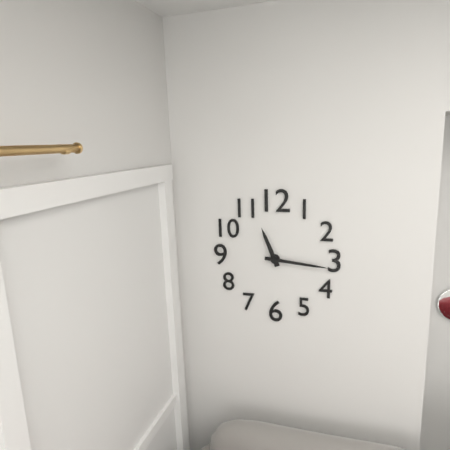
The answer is 11:16
